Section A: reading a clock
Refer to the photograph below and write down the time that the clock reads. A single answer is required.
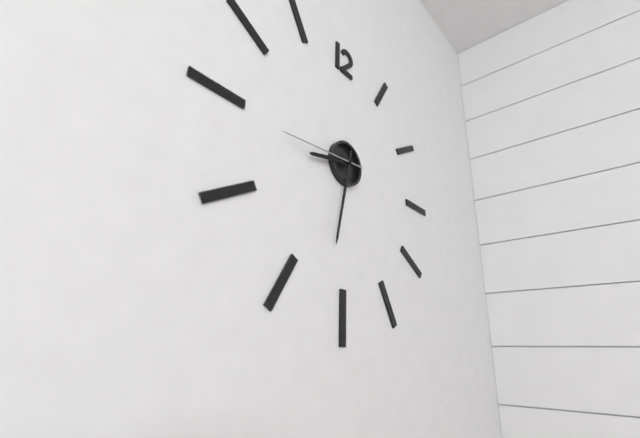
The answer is 8:32:44
